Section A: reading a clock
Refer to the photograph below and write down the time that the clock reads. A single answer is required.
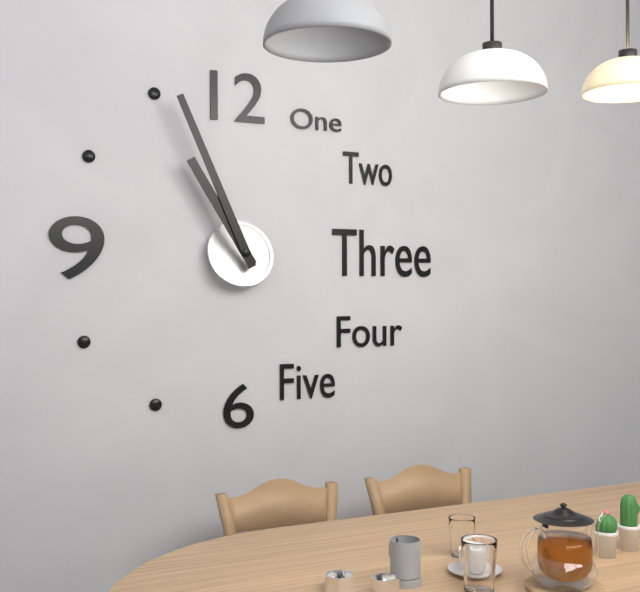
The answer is 10:56
